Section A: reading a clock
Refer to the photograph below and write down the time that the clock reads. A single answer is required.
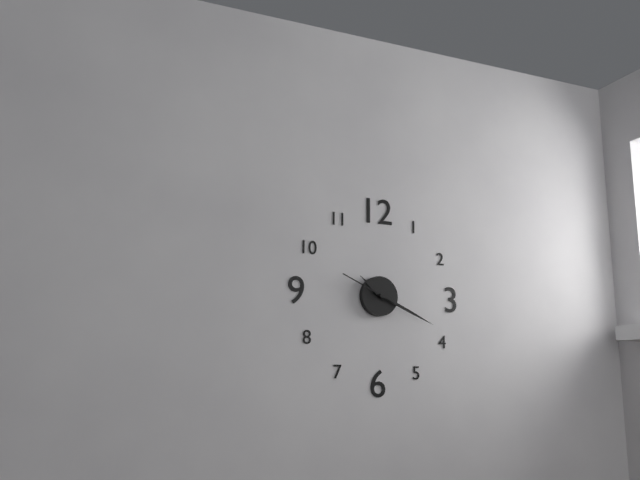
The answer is 10:19:49
